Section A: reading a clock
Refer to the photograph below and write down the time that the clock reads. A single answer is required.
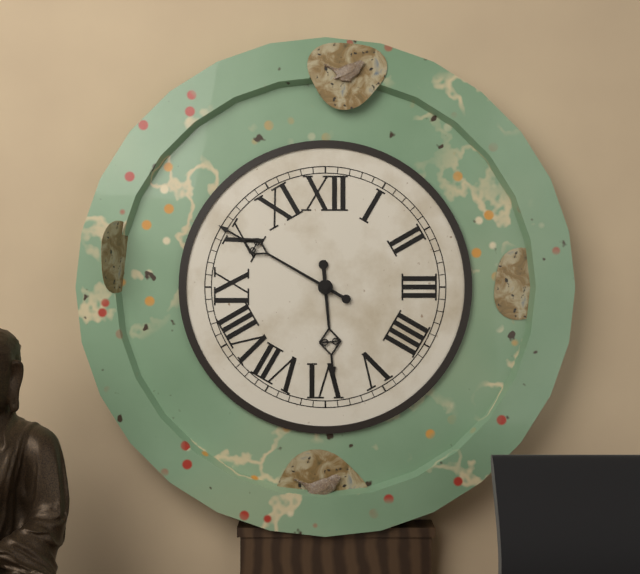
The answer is 5:50
